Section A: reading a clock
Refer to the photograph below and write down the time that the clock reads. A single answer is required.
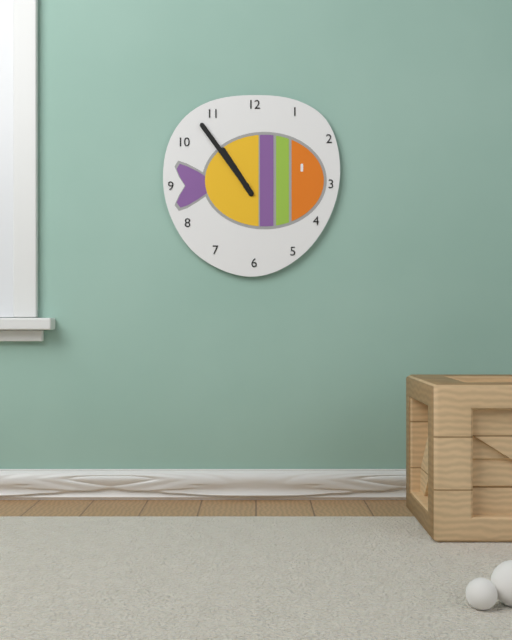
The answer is 10:54
